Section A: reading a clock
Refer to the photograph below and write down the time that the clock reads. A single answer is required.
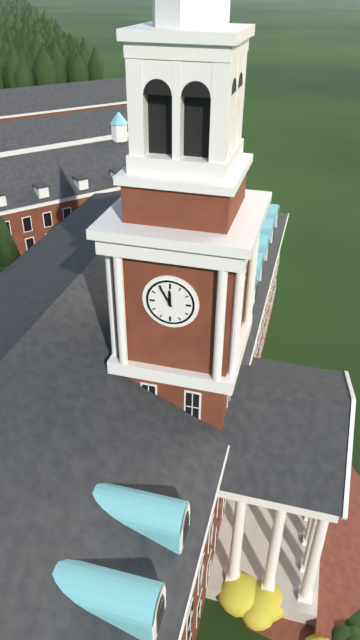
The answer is 11:55
